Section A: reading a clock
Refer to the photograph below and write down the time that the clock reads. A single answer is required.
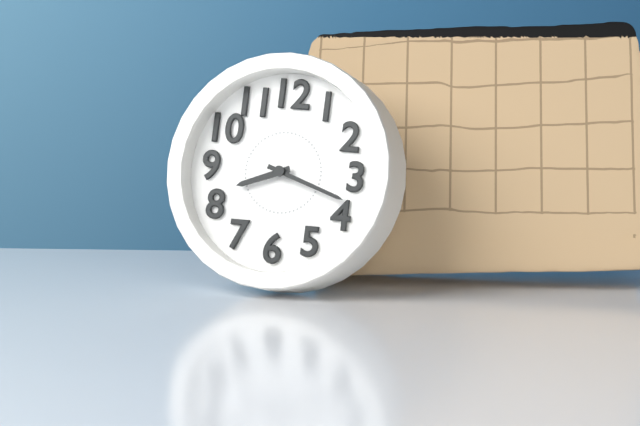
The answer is 8:18
